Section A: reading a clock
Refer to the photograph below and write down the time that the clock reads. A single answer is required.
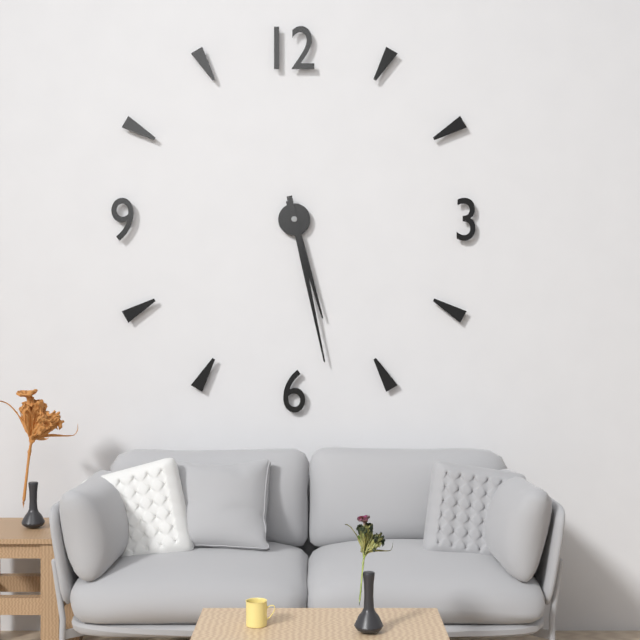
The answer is 5:28
